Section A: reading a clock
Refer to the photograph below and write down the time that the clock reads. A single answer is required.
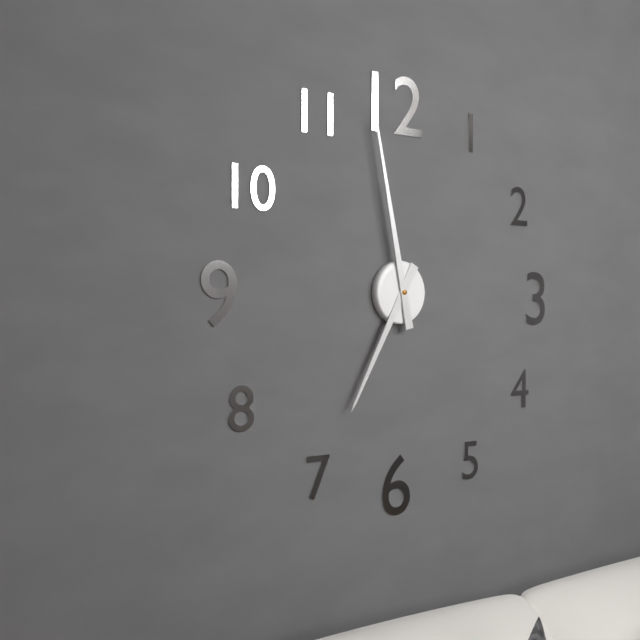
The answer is 6:58
